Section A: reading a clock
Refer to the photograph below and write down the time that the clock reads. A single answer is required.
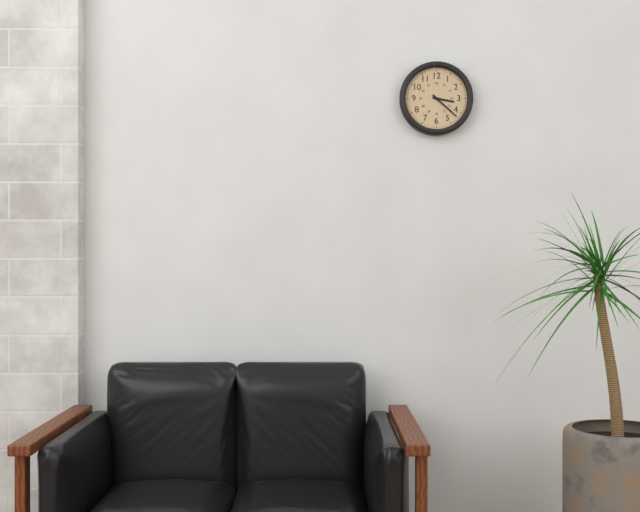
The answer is 3:22
